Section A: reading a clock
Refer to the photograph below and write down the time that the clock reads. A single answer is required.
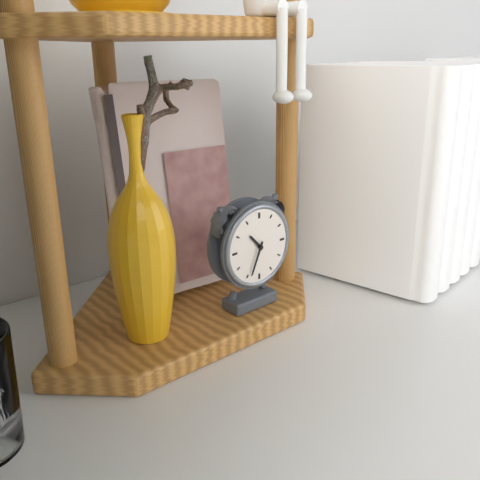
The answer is 10:34
